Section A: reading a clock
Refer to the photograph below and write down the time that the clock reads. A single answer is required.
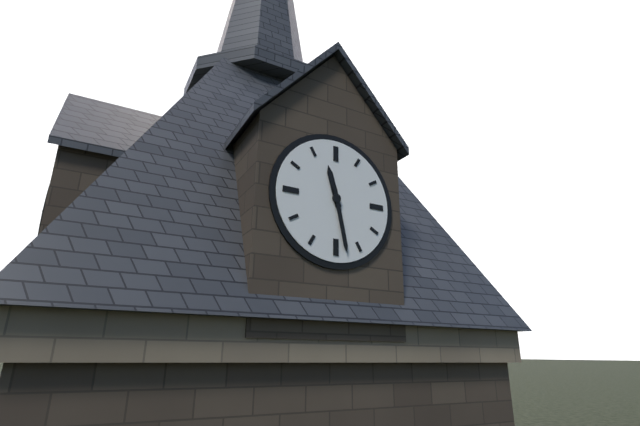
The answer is 11:28
